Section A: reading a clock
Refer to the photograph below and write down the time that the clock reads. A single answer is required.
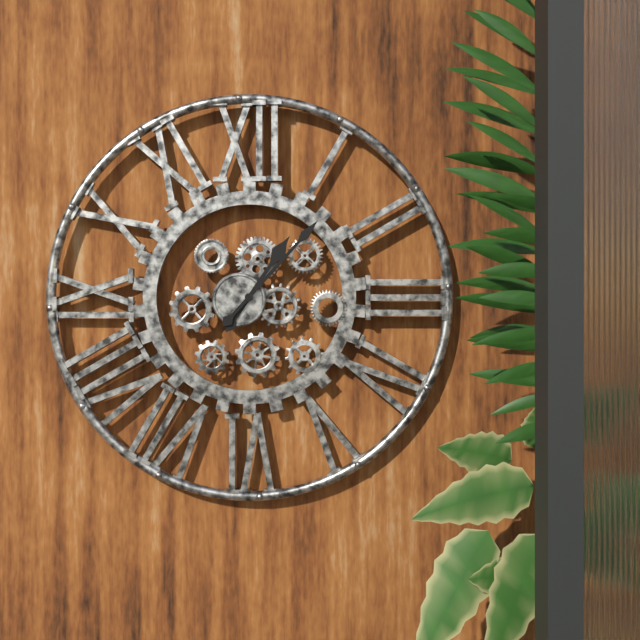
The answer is 1:07
